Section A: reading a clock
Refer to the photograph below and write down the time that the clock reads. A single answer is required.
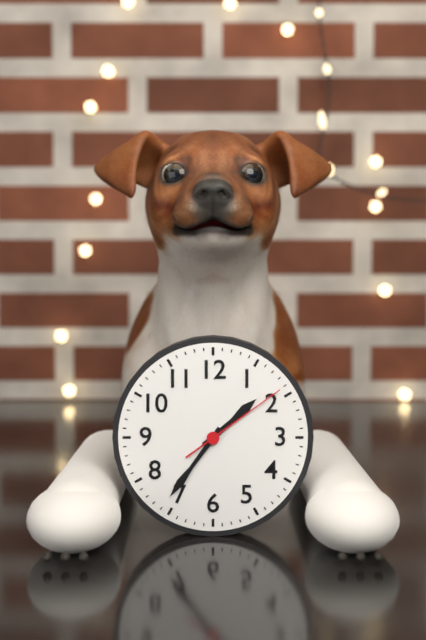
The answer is 1:36:09
